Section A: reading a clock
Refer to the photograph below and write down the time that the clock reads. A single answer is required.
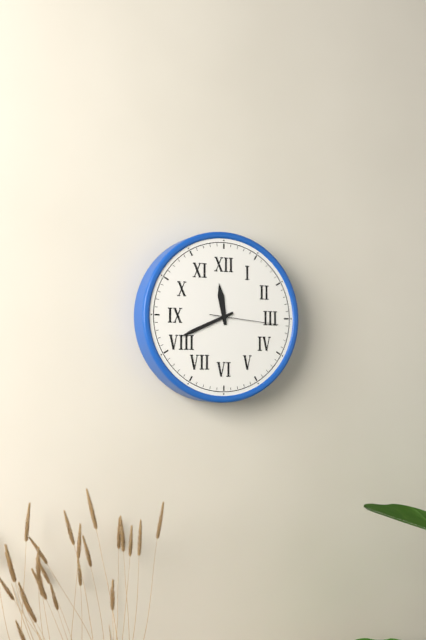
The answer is 11:41:16
